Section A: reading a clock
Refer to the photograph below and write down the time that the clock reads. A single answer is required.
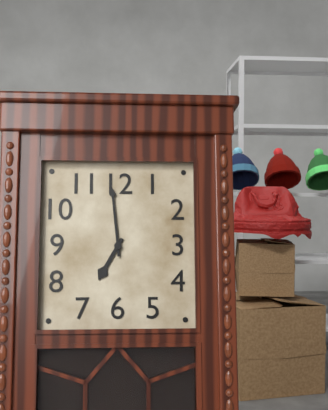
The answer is 6:59
